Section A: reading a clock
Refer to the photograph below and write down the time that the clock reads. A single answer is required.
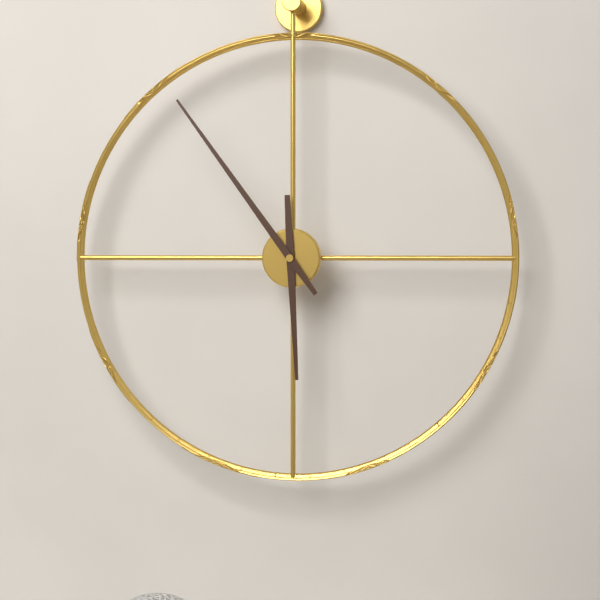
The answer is 5:54
